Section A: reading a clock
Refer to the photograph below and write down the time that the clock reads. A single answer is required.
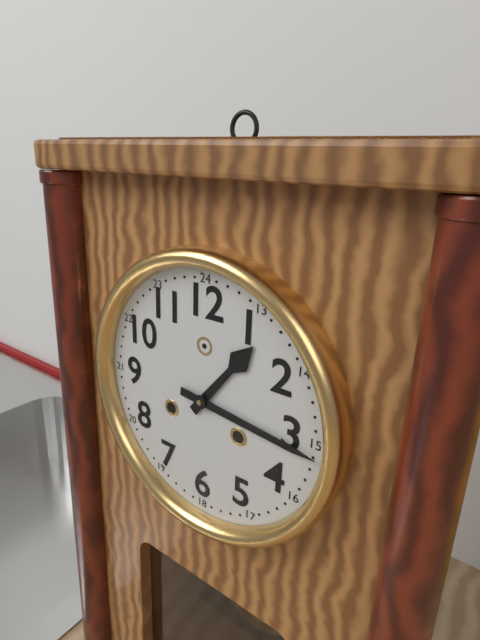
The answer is 1:16
